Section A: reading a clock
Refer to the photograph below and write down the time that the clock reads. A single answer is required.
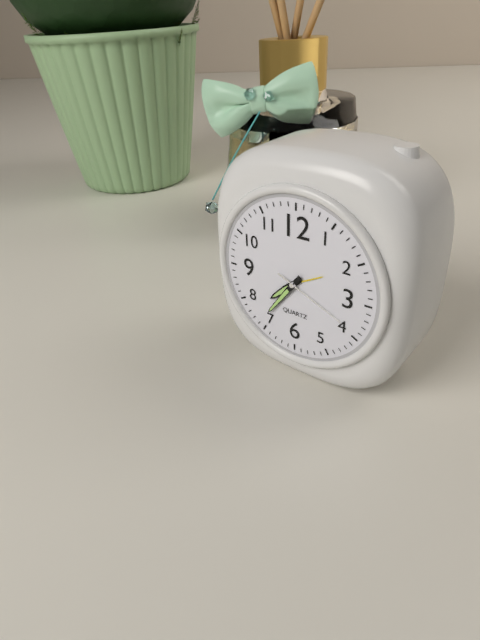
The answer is 7:36:19
